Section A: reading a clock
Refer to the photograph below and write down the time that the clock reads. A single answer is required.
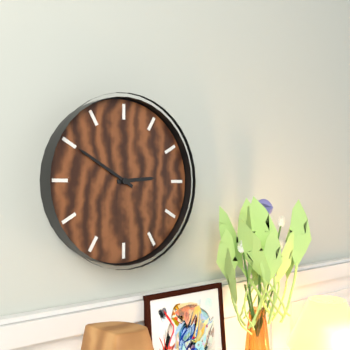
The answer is 2:50
